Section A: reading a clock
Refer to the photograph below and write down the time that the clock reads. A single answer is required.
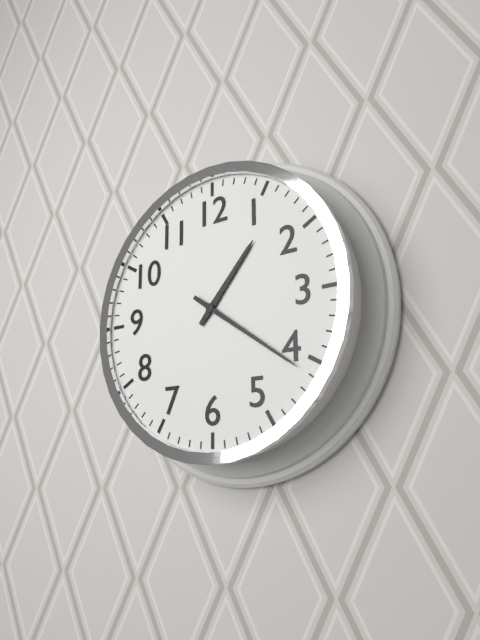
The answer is 1:21
